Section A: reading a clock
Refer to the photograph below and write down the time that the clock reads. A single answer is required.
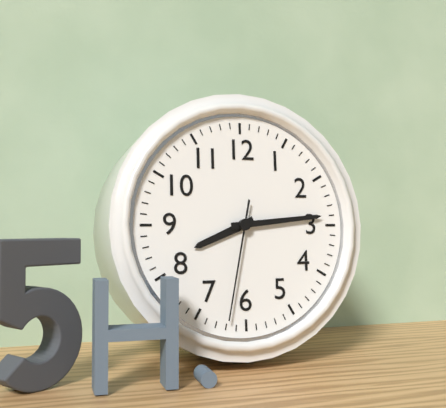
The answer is 8:14:32
